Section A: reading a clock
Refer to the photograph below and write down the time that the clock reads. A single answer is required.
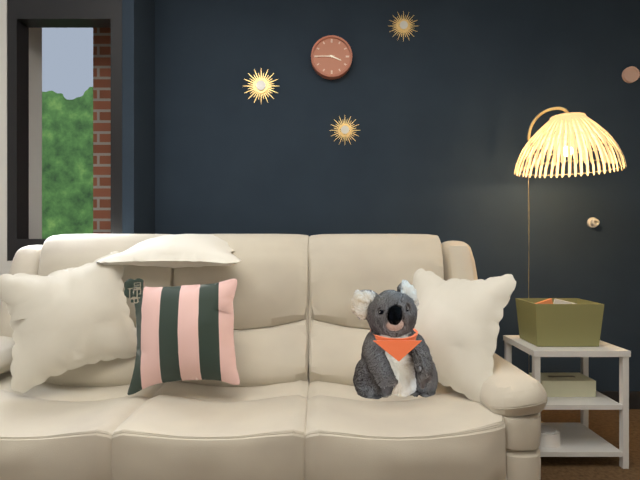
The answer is 3:45
